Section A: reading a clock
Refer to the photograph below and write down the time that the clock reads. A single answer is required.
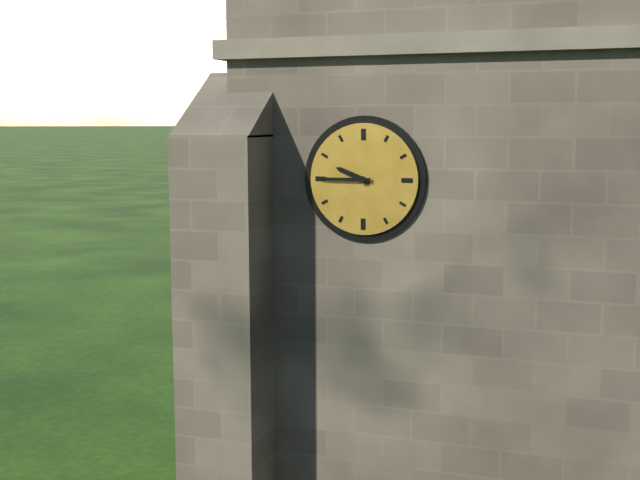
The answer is 9:45
